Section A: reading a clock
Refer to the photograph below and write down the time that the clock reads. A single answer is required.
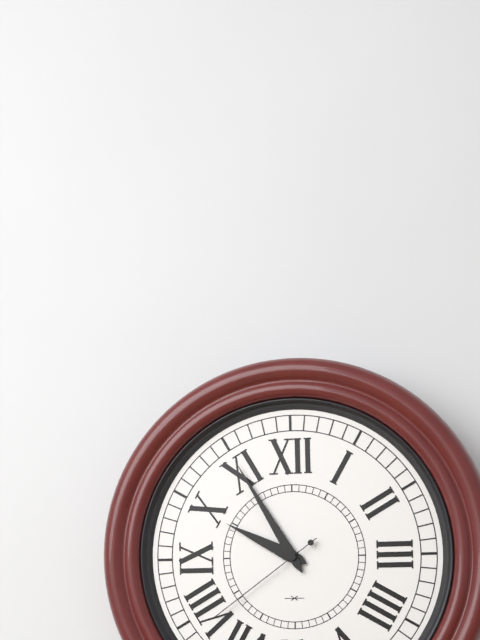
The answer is 9:55:39
